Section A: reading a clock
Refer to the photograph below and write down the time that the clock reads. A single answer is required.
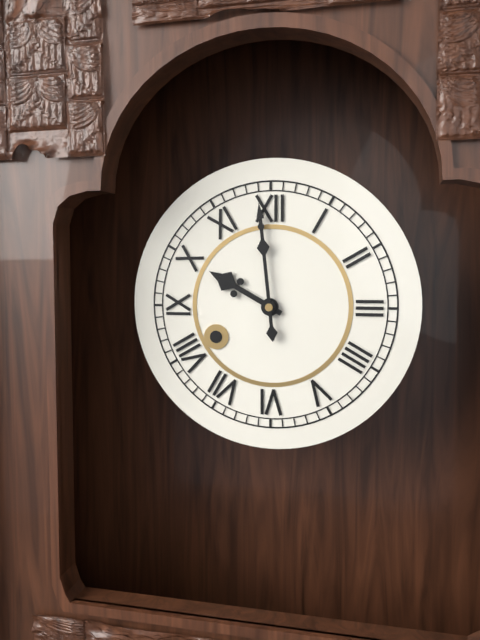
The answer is 9:59
